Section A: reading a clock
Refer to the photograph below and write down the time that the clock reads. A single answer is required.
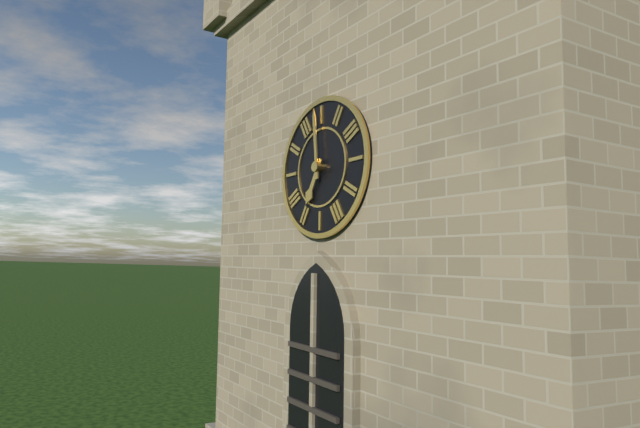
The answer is 6:59
